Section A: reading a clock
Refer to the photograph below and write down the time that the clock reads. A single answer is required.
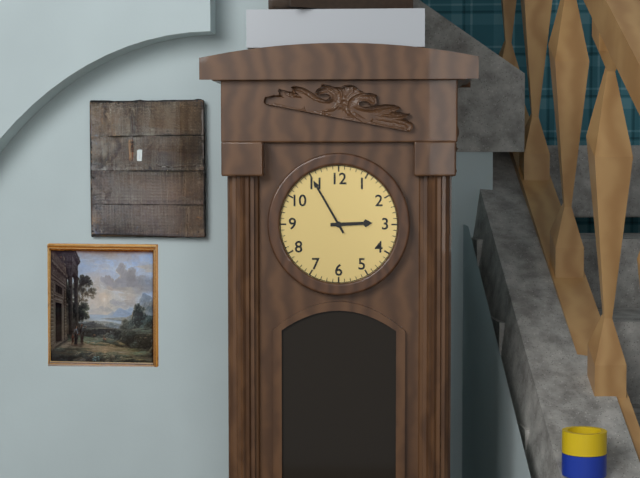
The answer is 2:55
